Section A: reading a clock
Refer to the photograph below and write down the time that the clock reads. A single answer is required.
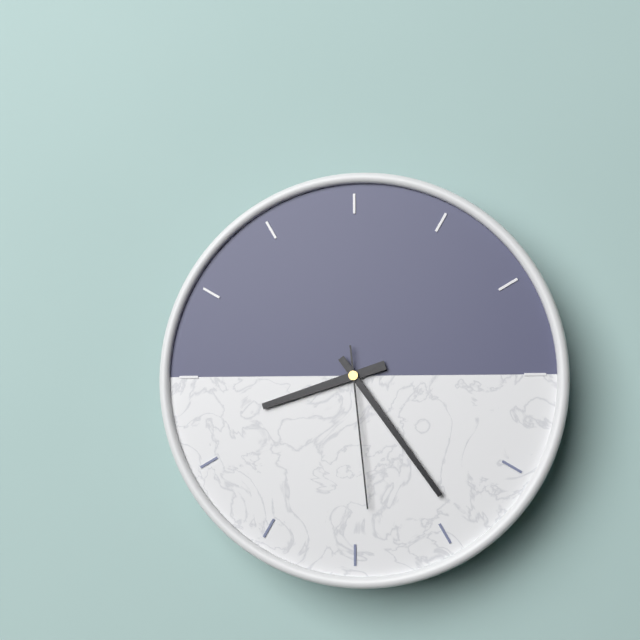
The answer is 8:24:29
